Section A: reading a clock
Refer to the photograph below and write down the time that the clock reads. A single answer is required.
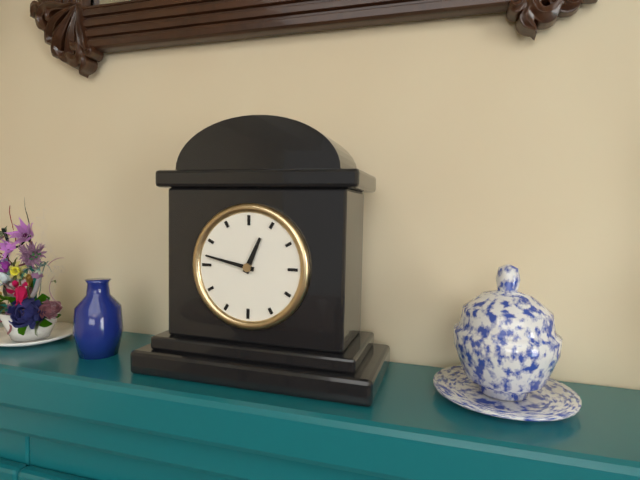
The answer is 12:47
